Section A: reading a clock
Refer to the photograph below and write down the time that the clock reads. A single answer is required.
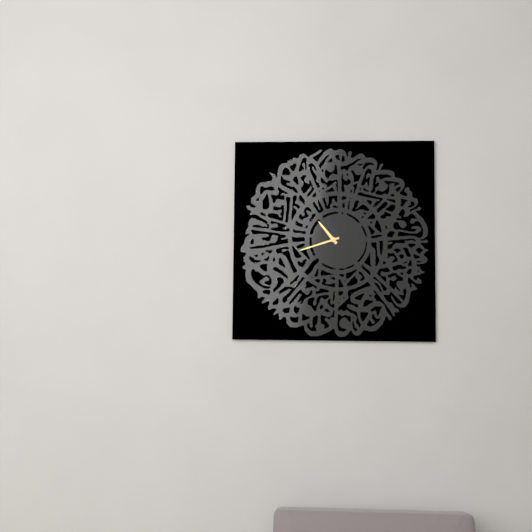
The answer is 10:42
